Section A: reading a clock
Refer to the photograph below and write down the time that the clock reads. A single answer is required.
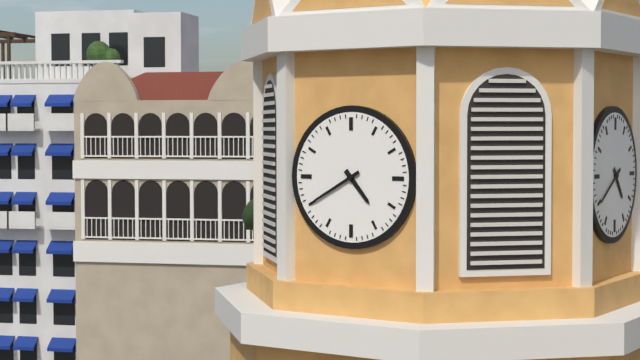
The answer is 4:40
